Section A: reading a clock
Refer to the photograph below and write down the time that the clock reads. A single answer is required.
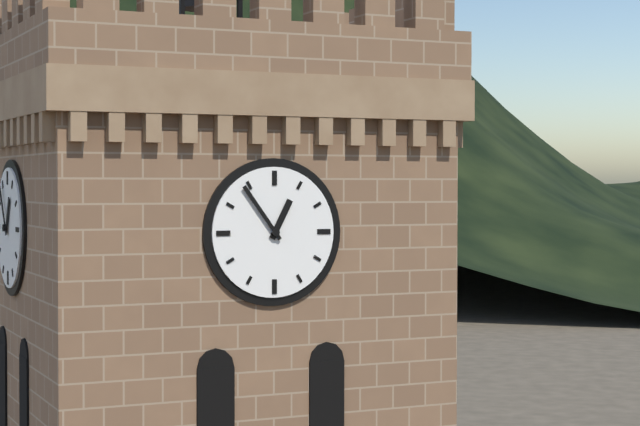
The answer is 12:54
